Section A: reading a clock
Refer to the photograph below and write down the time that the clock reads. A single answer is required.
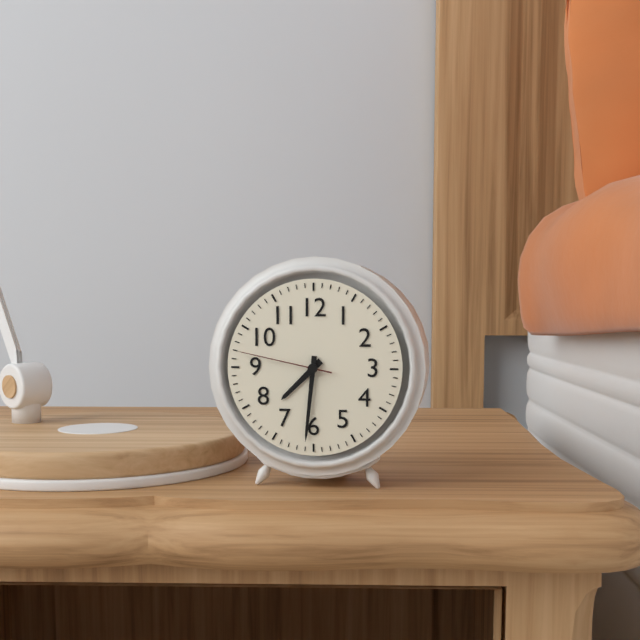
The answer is 7:31:47
